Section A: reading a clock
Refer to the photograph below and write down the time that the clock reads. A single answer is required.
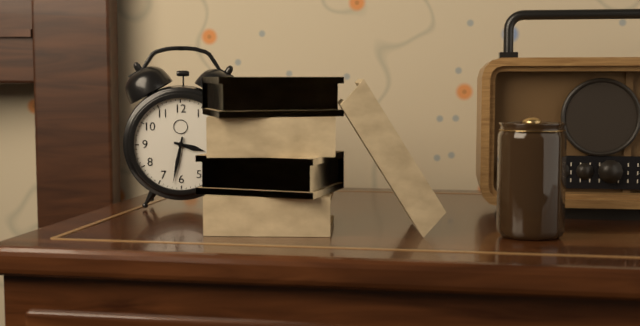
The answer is 3:32
